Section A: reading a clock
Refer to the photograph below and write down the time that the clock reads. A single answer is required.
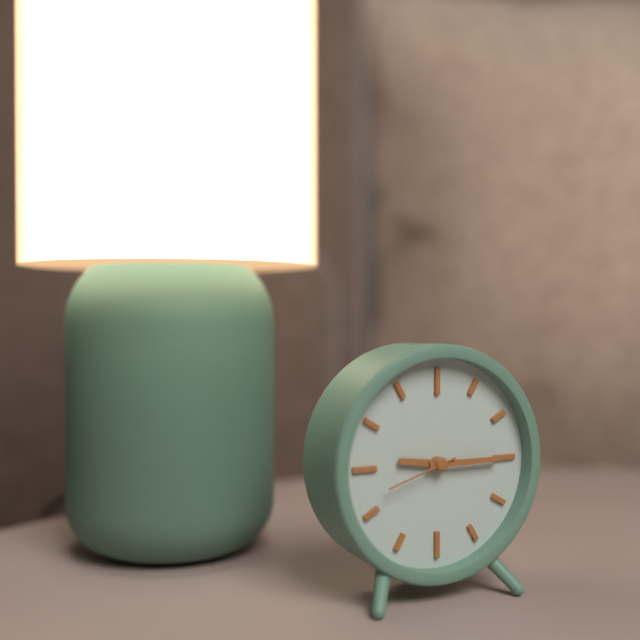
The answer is 9:15:42
